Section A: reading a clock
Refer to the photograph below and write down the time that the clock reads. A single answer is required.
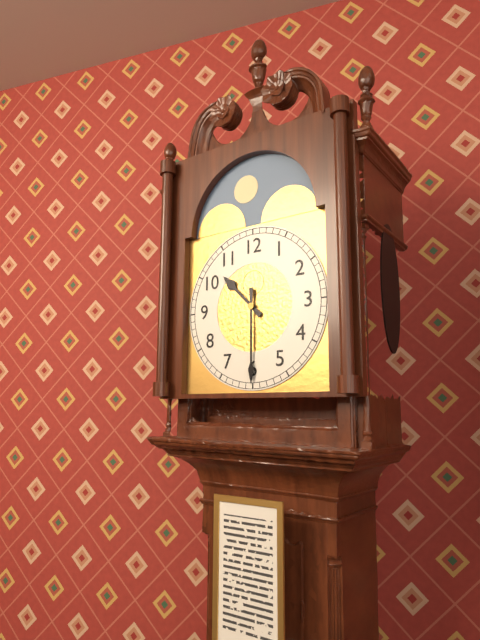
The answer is 10:30
